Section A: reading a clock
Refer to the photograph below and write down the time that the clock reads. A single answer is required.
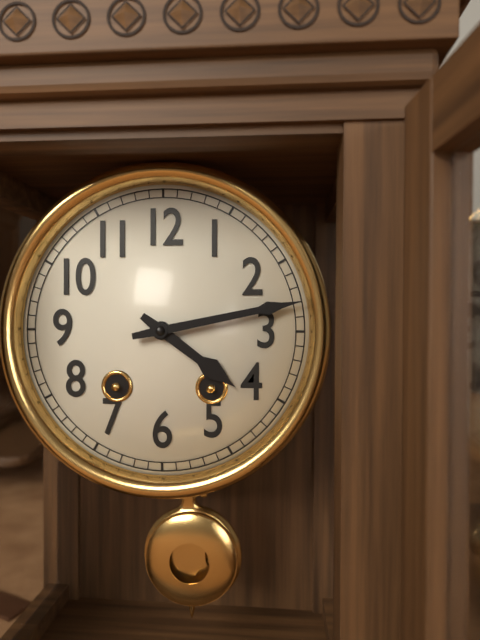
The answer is 4:13
